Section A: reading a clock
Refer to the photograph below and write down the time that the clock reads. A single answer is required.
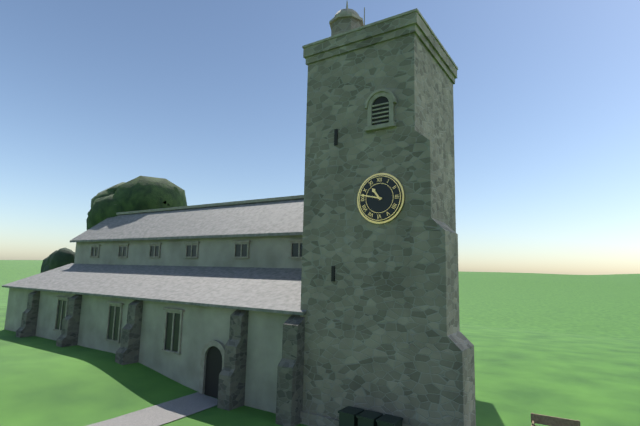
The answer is 10:47
